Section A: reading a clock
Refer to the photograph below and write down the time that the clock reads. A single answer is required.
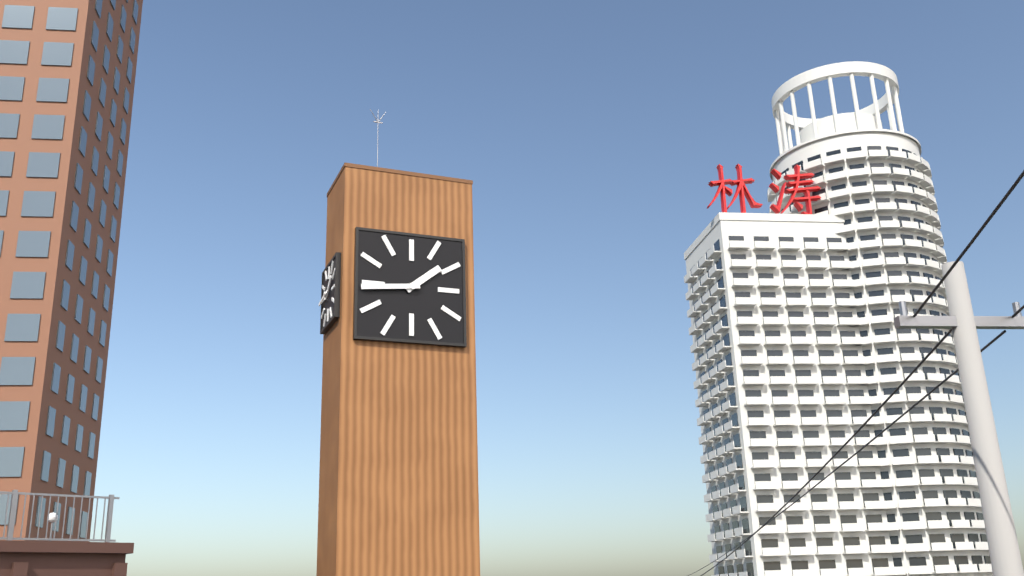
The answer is 1:44
